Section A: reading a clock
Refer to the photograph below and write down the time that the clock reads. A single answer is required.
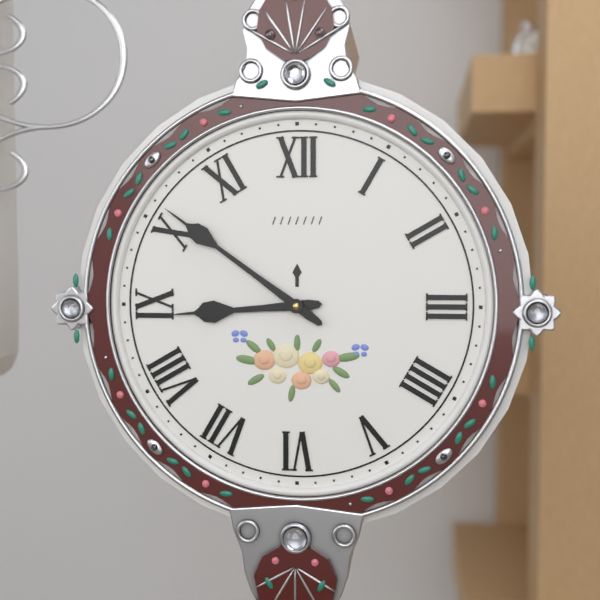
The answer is 8:51
